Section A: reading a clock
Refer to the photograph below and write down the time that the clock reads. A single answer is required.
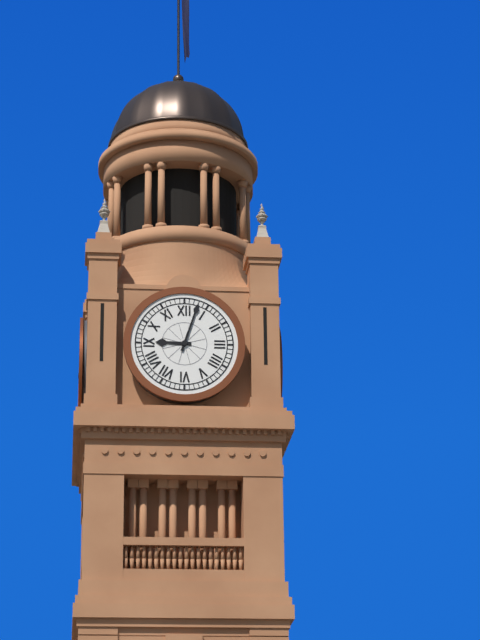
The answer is 9:03
